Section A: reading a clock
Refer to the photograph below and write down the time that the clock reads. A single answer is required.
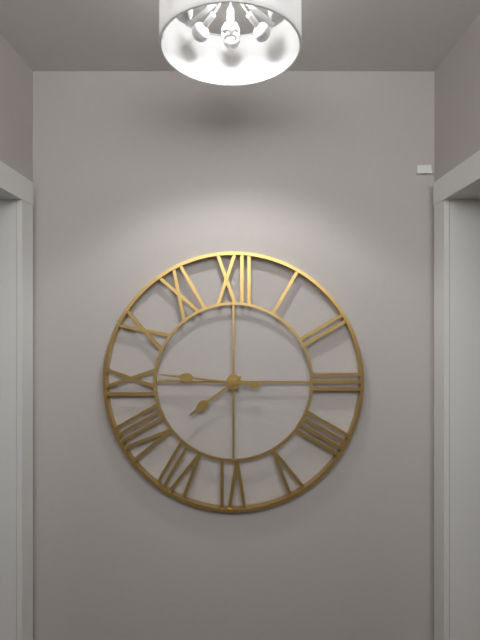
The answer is 7:46
